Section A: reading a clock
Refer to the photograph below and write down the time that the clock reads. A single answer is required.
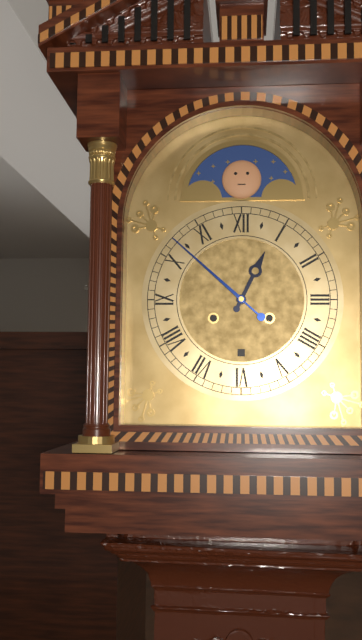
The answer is 12:52
